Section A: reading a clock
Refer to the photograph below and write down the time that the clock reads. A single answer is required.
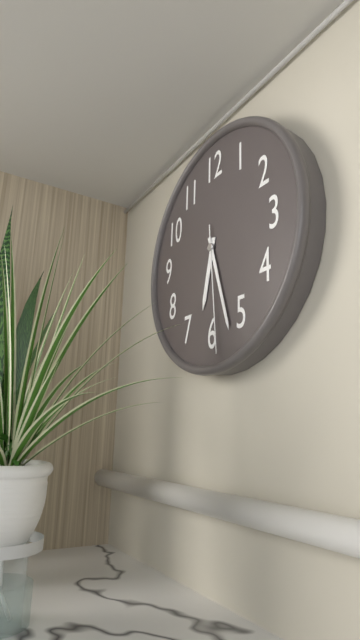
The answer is 6:27:29
